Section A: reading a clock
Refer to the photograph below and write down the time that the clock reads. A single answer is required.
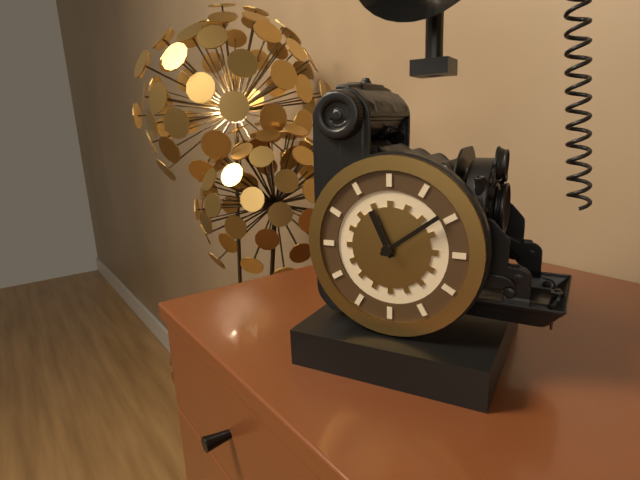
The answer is 11:09
